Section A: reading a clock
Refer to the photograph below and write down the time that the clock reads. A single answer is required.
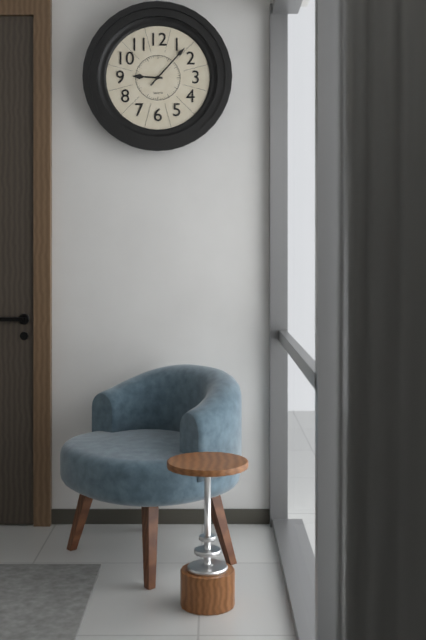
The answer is 9:07
